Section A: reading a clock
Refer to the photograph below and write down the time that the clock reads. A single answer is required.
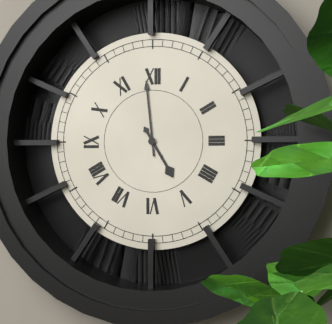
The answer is 4:59
